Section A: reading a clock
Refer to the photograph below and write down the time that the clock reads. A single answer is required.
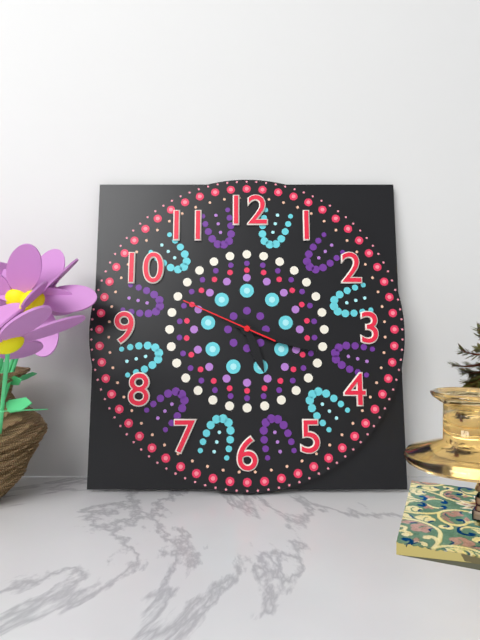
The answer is 5:18:49
